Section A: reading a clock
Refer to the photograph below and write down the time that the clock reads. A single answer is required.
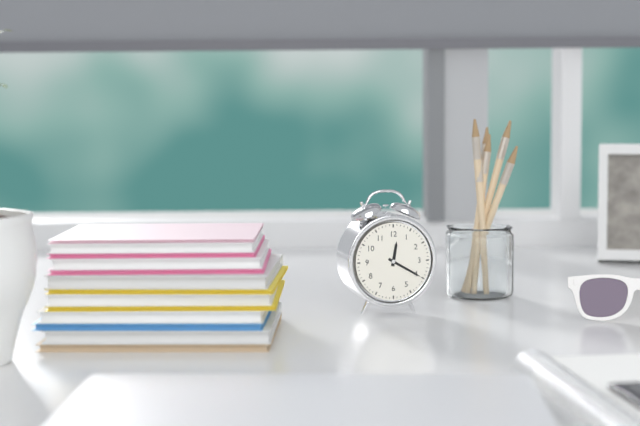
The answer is 12:20
